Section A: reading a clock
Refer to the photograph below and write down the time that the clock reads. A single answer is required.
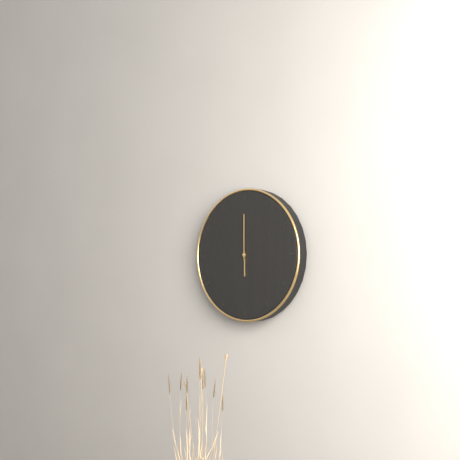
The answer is 6:00
